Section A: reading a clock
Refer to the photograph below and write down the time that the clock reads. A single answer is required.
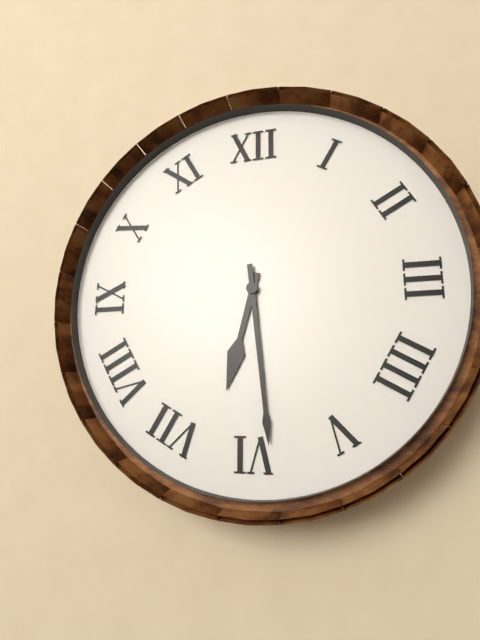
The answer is 6:29
